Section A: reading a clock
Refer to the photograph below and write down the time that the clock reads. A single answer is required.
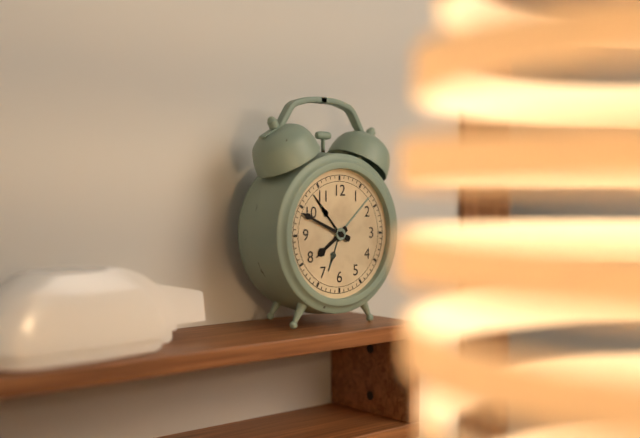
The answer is 7:49
